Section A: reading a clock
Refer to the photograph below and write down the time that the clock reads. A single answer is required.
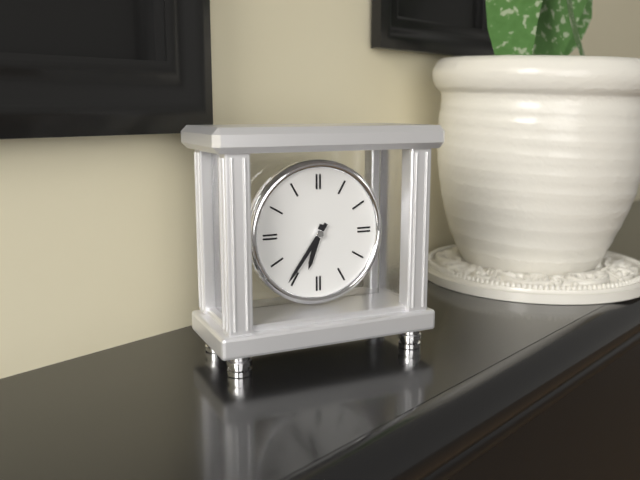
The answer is 6:36
